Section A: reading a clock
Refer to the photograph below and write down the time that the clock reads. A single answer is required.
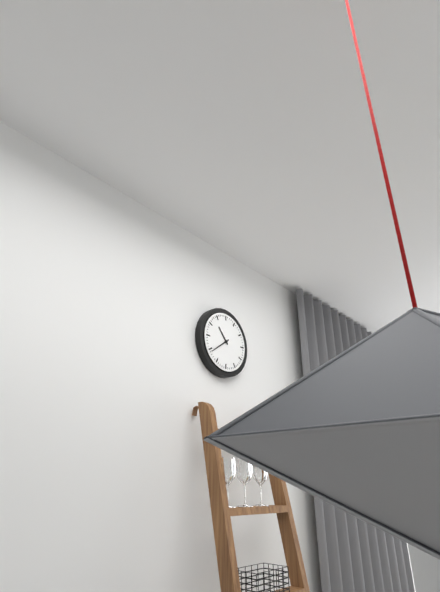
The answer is 10:39
